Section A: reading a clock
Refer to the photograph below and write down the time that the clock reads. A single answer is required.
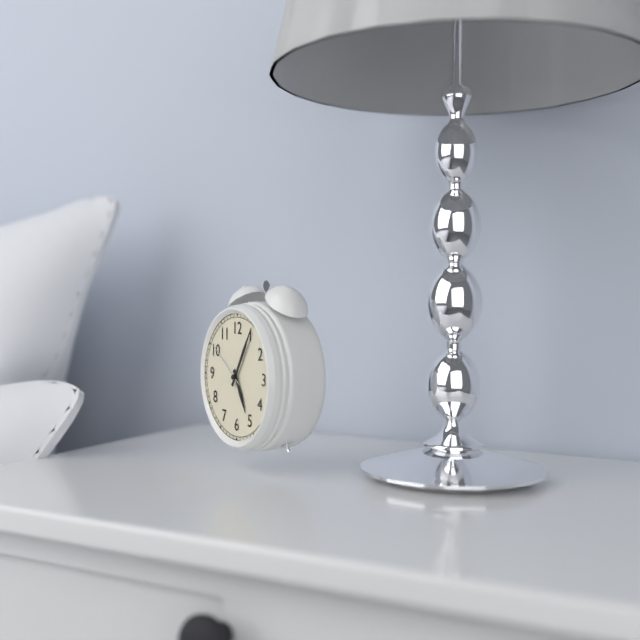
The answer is 5:05
